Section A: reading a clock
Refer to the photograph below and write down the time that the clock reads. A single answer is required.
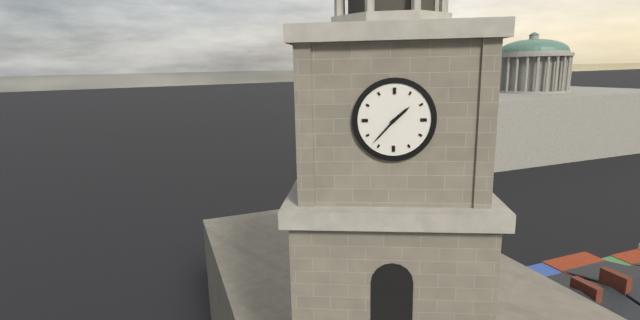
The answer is 1:37
